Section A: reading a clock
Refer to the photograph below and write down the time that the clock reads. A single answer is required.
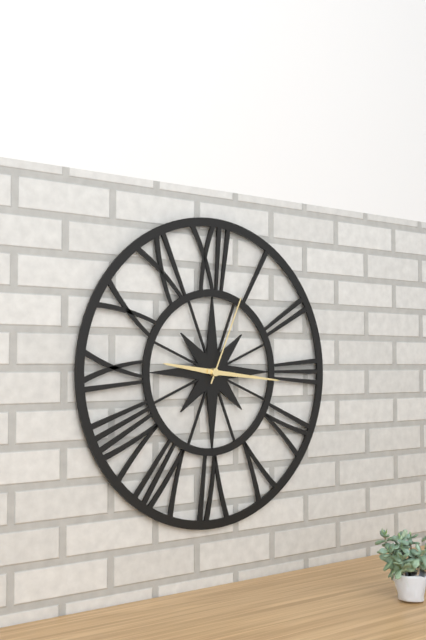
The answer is 9:16:04
